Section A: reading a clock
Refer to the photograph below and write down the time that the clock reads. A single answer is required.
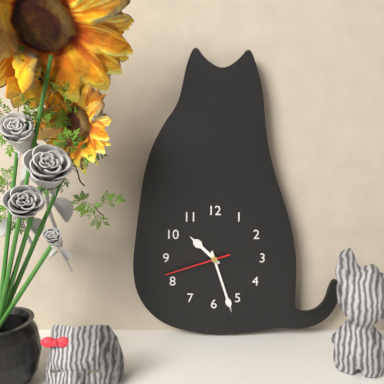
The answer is 10:27:42
